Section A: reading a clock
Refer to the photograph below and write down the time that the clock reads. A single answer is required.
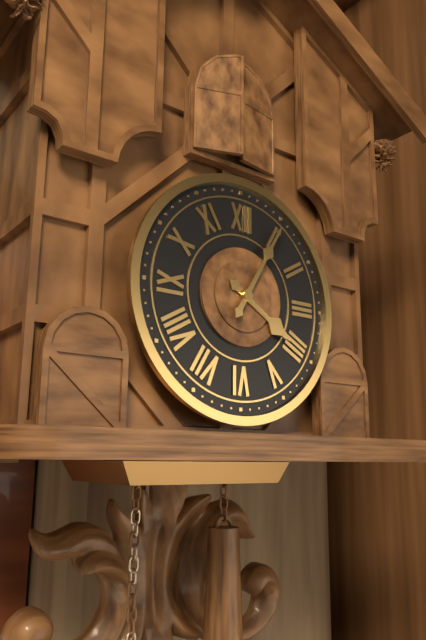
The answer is 4:05
